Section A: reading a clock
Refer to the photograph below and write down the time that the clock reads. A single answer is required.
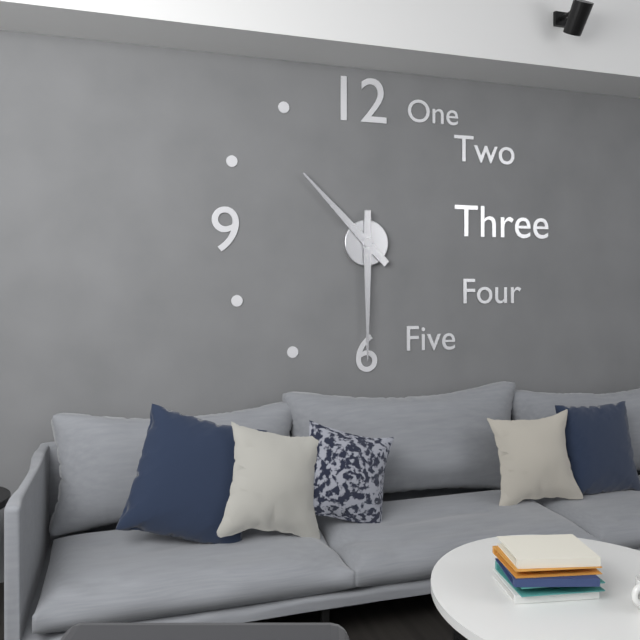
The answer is 10:30
